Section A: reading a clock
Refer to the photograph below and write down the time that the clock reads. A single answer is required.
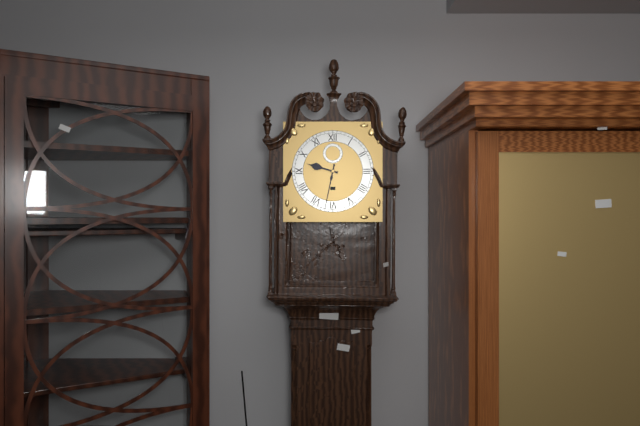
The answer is 9:32
